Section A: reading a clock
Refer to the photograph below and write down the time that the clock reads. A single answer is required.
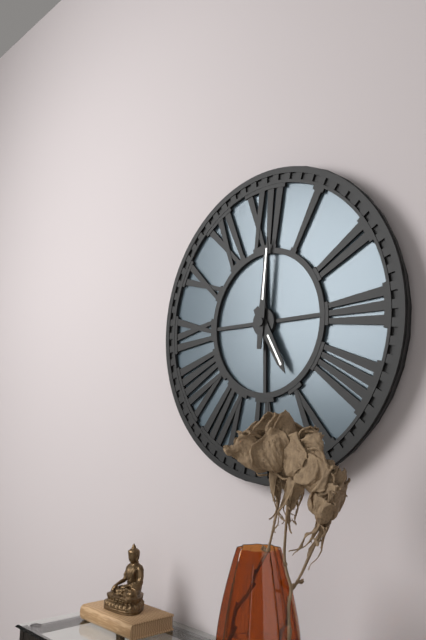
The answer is 5:01
